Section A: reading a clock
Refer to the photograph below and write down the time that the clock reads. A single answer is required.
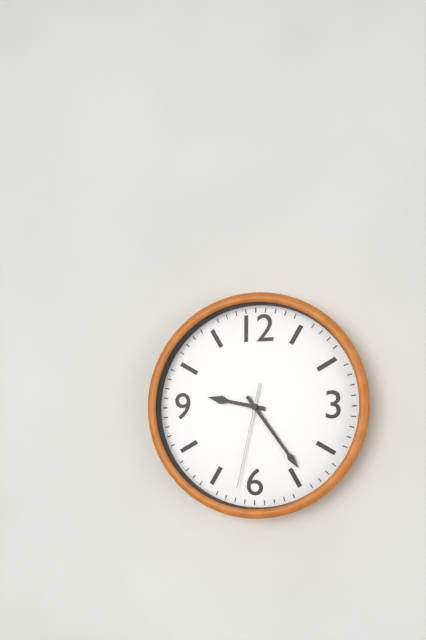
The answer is 9:24:32
